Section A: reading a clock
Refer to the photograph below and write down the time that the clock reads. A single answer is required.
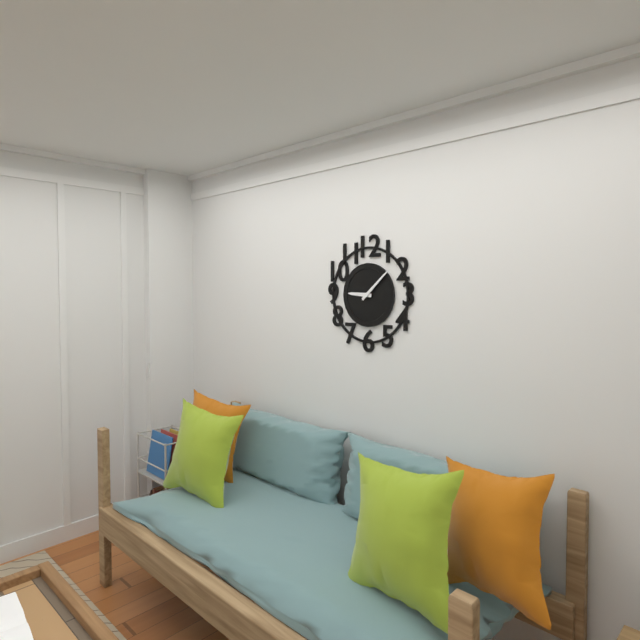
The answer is 9:08
